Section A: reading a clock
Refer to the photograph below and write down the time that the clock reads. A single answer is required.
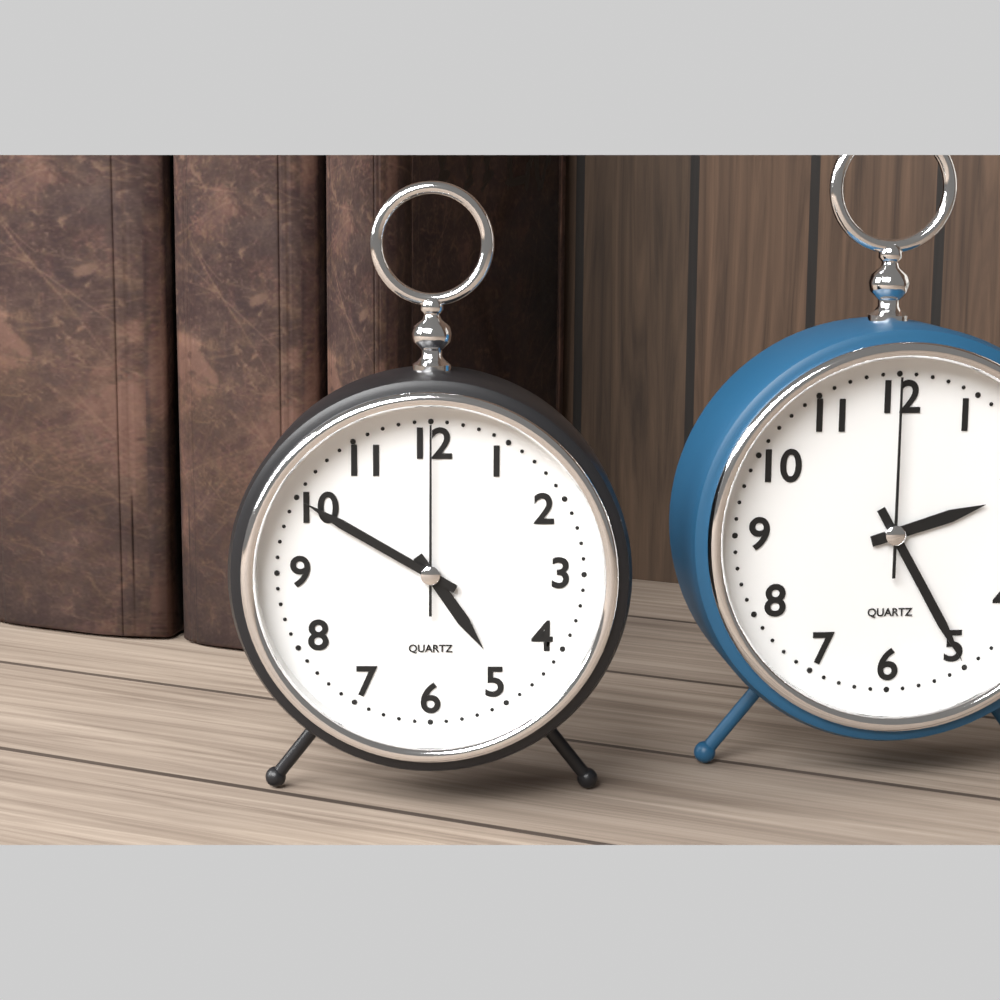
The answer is 4:50:00
